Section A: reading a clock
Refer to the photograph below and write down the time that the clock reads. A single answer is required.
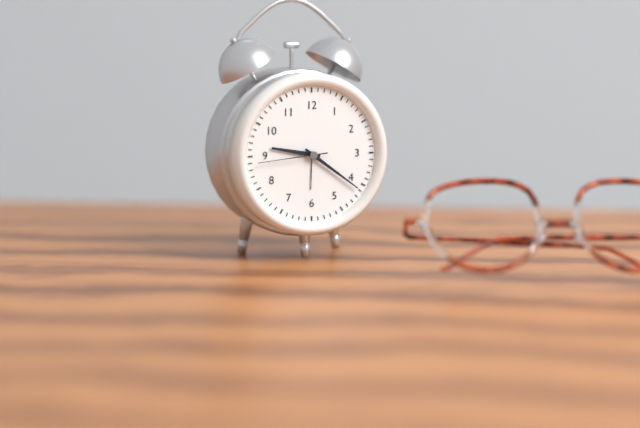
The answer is 9:21:44
